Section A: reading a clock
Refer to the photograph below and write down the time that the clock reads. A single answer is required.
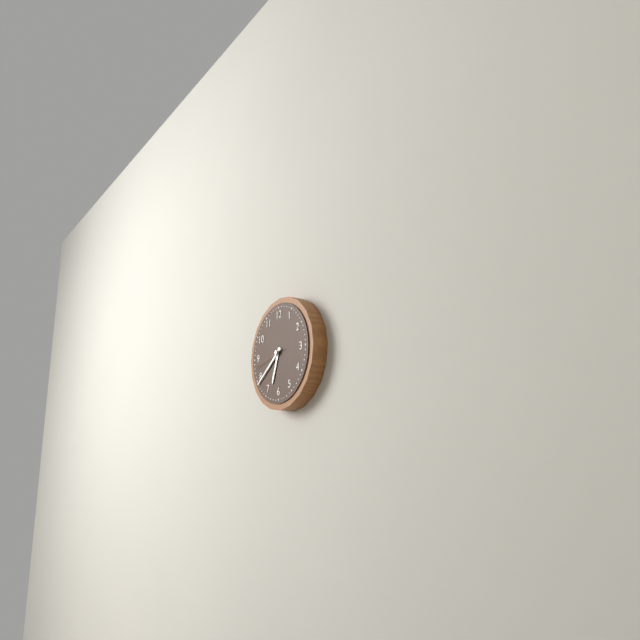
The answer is 6:39
